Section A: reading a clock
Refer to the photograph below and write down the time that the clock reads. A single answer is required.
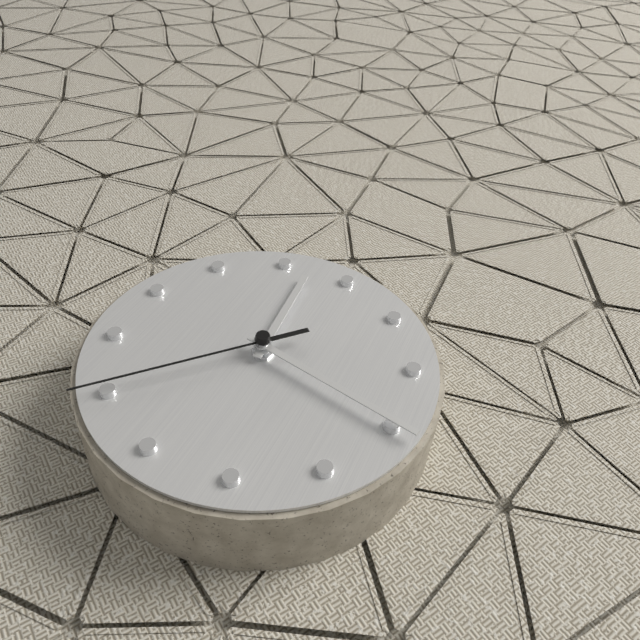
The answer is 1:25:45
